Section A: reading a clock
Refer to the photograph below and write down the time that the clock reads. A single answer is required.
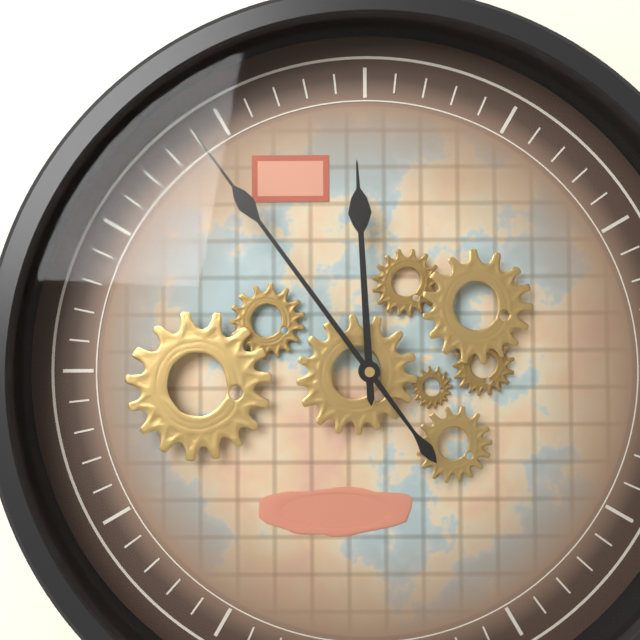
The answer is 11:54
